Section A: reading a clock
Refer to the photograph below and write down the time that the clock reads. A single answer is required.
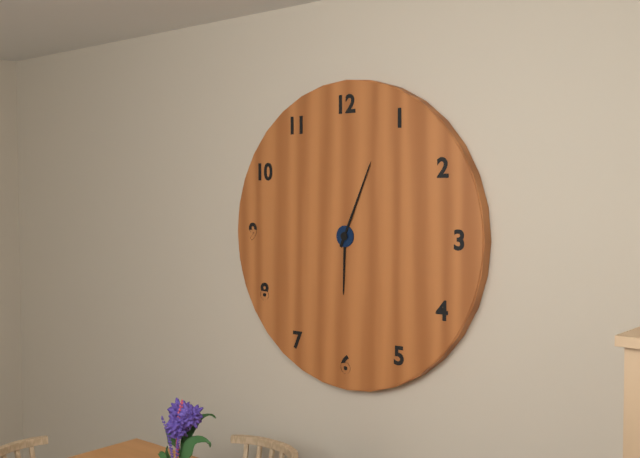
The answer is 6:04
